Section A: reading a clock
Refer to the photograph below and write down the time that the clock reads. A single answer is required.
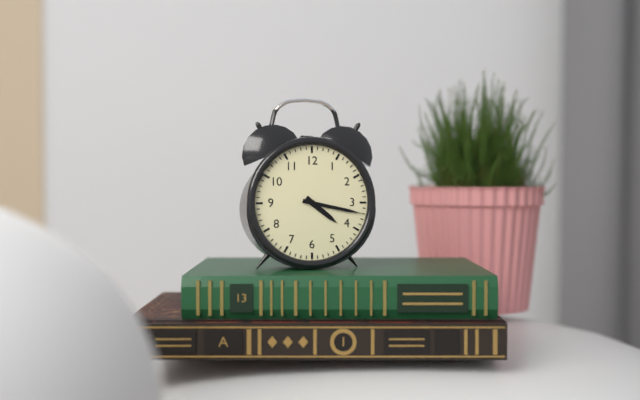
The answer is 4:17
